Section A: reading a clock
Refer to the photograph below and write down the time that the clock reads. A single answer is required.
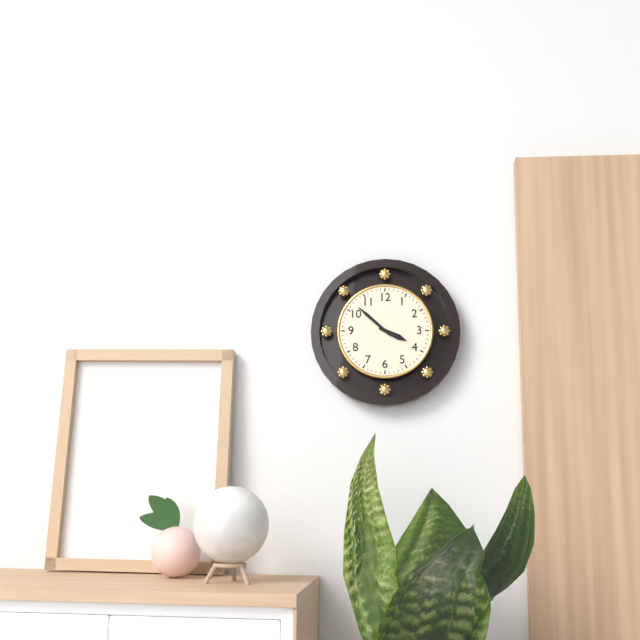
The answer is 3:52
